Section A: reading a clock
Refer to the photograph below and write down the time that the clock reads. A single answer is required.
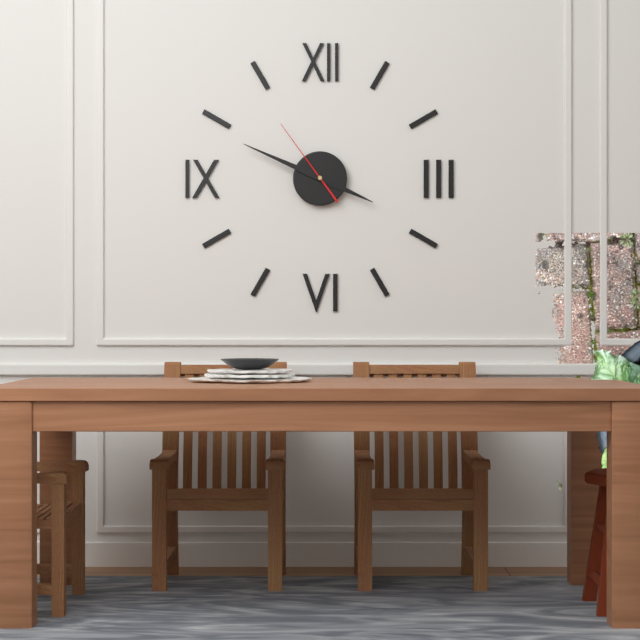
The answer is 3:49:54
